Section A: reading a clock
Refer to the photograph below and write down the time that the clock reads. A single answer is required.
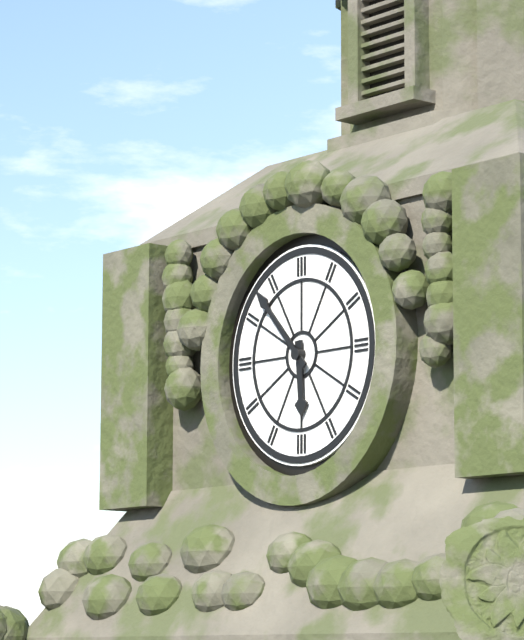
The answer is 5:53
